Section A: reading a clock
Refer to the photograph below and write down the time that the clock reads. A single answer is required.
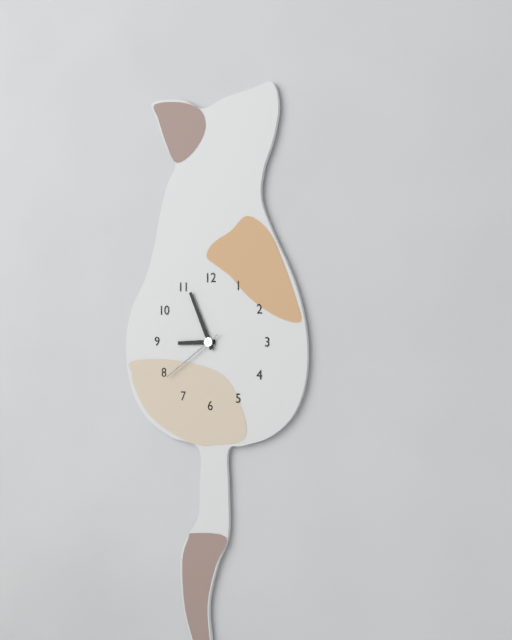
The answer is 8:56:39
